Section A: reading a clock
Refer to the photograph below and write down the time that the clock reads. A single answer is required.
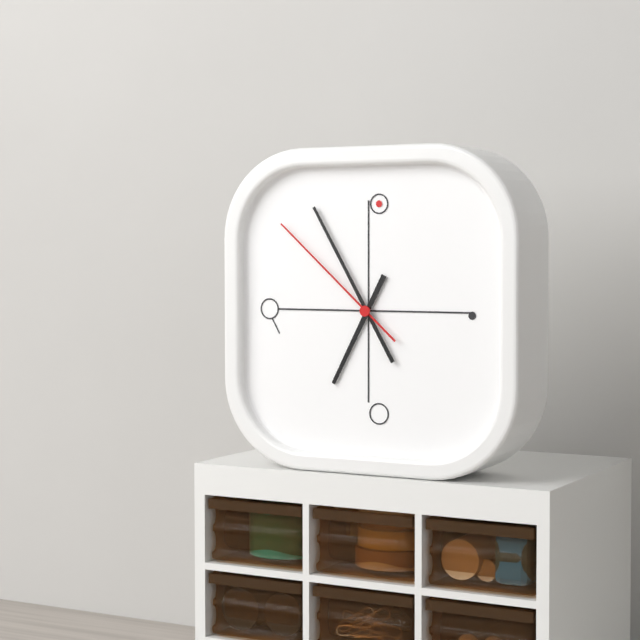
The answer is 6:55:52
